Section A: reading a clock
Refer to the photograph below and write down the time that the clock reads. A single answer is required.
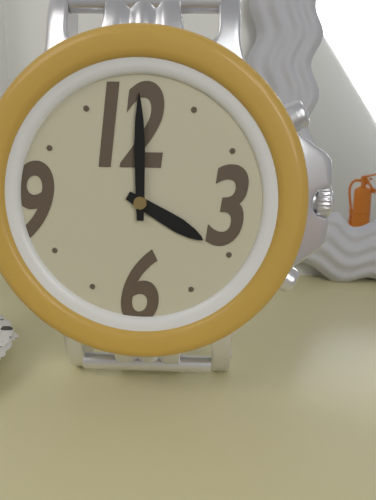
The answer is 4:00
